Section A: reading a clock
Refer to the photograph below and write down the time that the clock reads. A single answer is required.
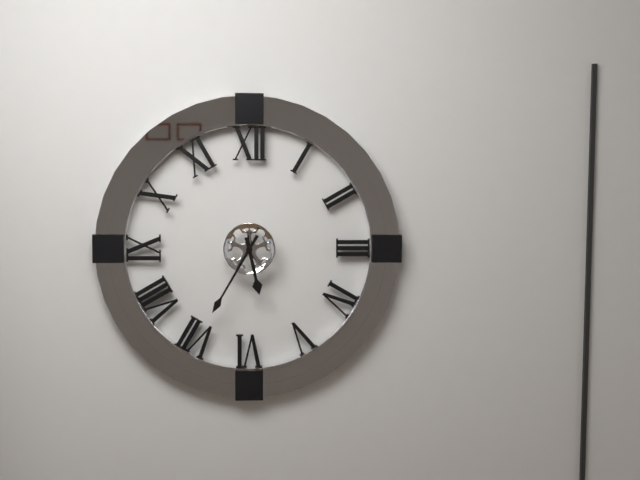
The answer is 5:35
